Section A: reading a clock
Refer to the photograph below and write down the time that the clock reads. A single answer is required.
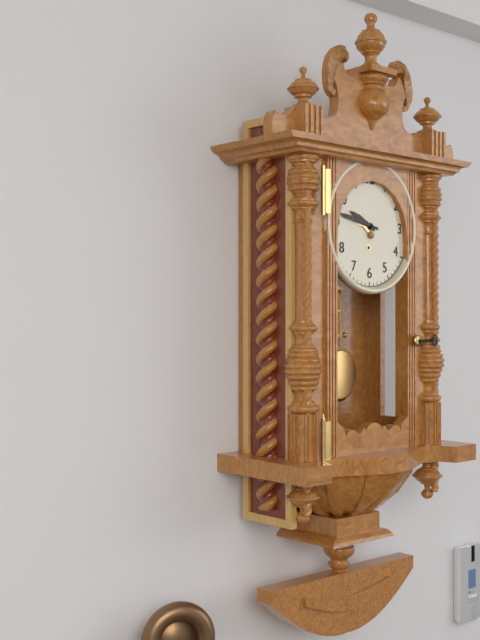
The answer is 9:47
